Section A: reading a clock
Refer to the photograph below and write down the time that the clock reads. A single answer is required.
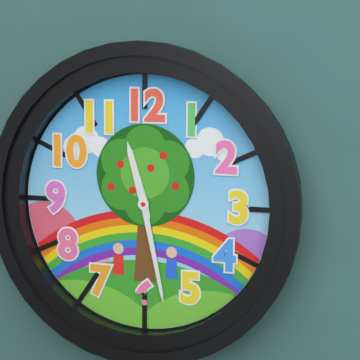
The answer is 11:28
